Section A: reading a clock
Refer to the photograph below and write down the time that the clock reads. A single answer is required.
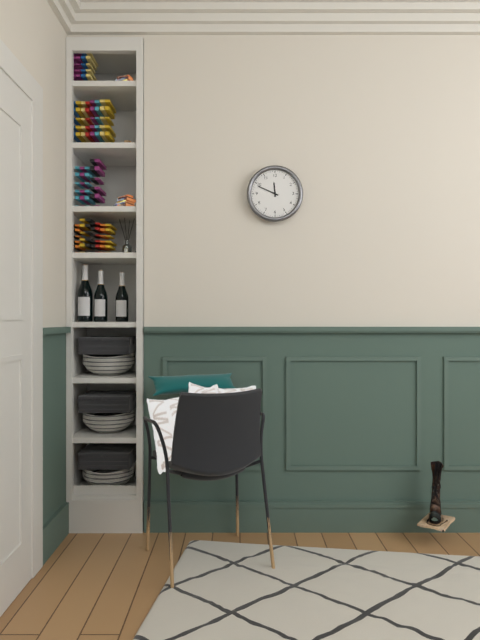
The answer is 11:49
